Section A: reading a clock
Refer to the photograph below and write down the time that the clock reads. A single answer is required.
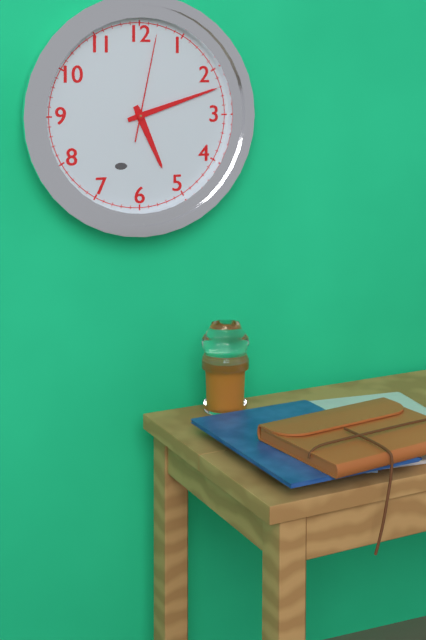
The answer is 5:12:02
